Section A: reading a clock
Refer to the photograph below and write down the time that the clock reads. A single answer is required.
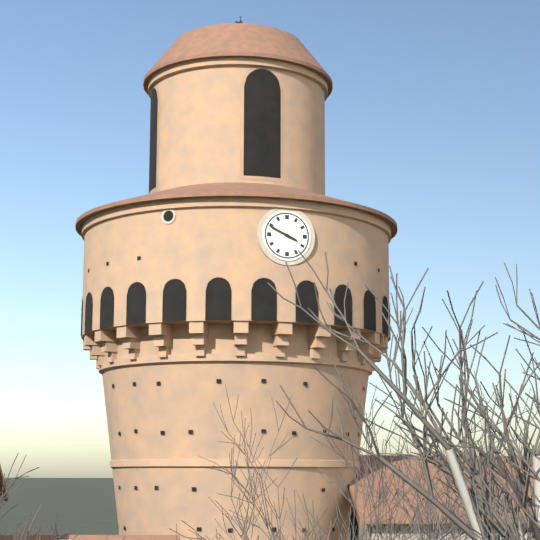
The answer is 3:49
